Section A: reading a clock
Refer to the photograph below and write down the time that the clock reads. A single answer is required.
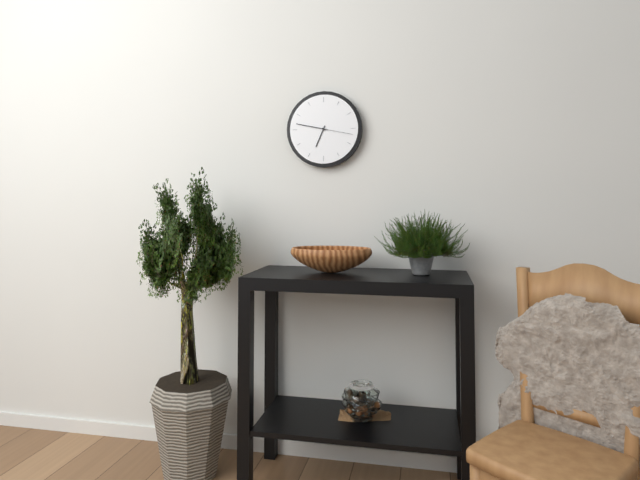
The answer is 6:47
